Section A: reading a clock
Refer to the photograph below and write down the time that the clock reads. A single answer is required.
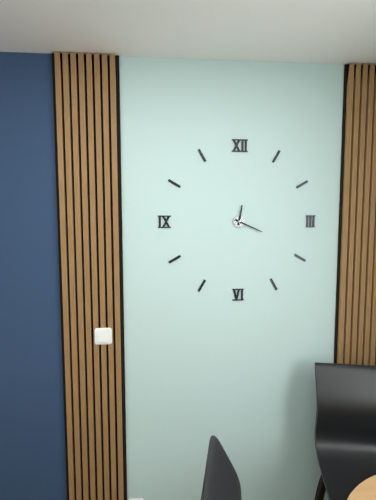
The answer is 12:19
